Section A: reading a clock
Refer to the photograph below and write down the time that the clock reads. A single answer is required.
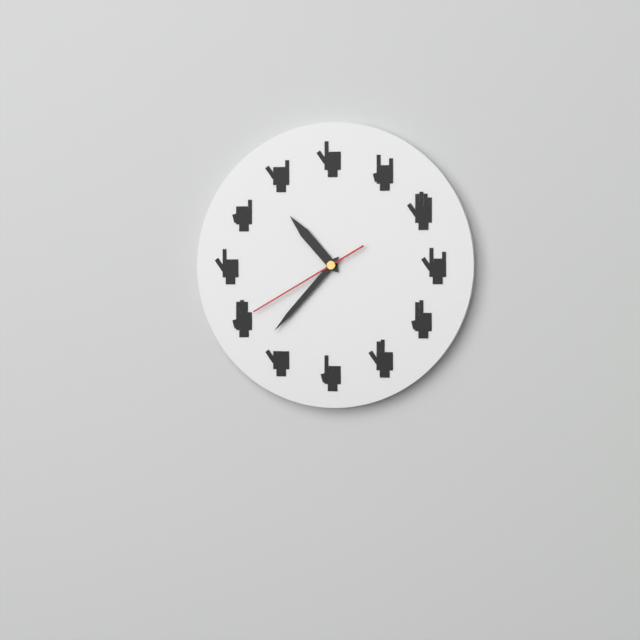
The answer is 10:37:40
